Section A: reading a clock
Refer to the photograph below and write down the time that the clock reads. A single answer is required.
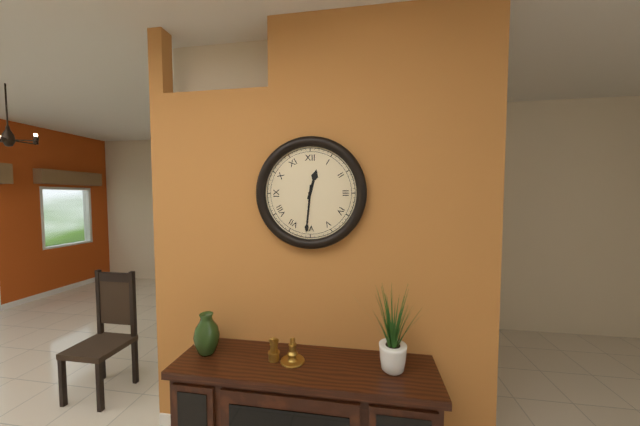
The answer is 12:31
